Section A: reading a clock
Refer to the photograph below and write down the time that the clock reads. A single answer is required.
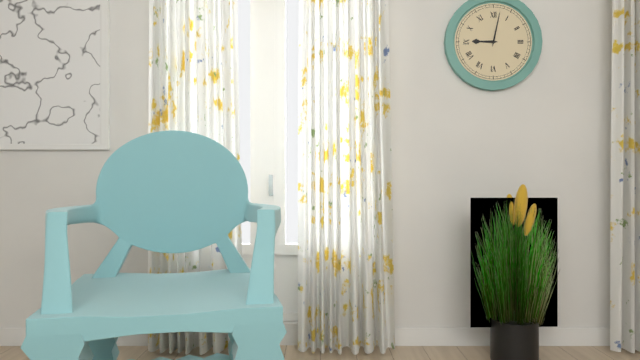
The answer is 9:02
